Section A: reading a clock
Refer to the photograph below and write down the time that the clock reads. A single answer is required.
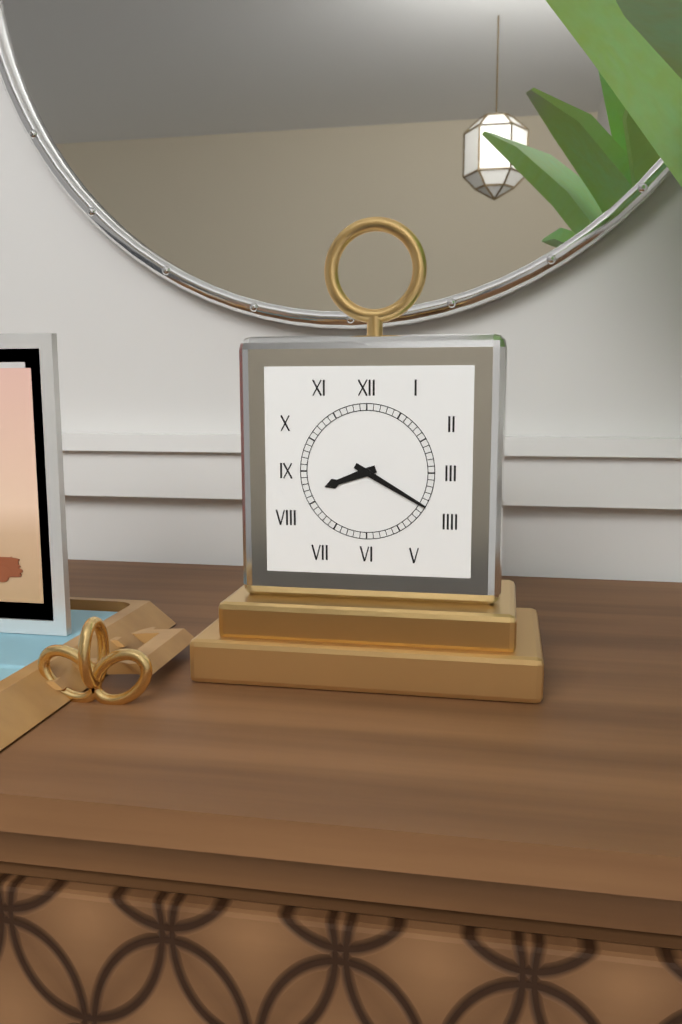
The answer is 8:20
